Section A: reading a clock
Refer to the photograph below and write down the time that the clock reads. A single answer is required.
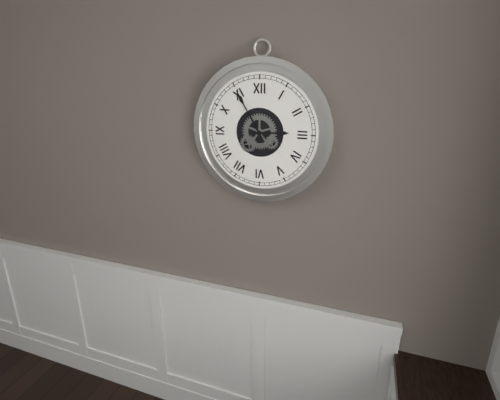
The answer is 2:55
